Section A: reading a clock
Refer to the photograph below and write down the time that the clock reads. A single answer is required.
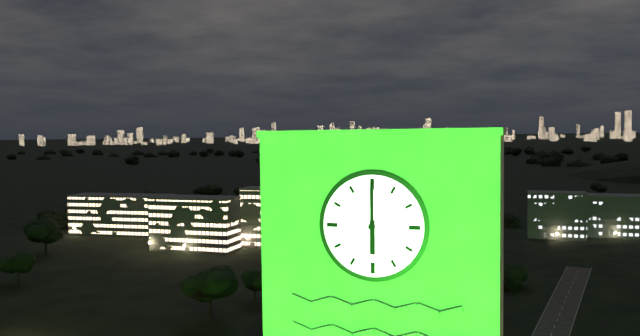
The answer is 6:00
